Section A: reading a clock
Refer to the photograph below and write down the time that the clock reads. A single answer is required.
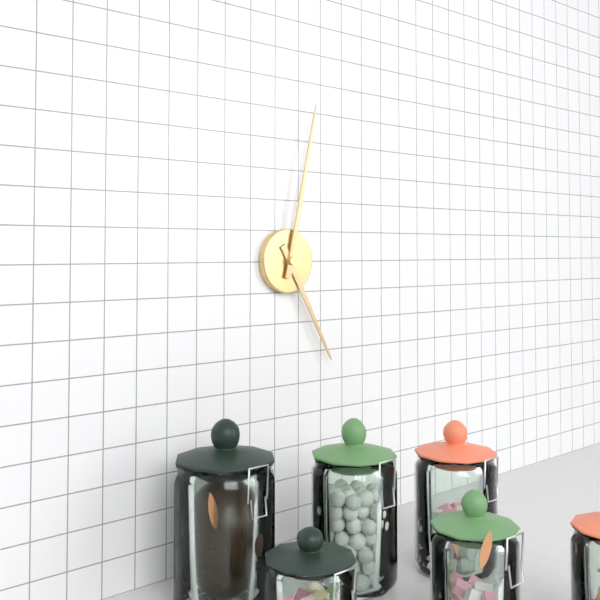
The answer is 5:02
